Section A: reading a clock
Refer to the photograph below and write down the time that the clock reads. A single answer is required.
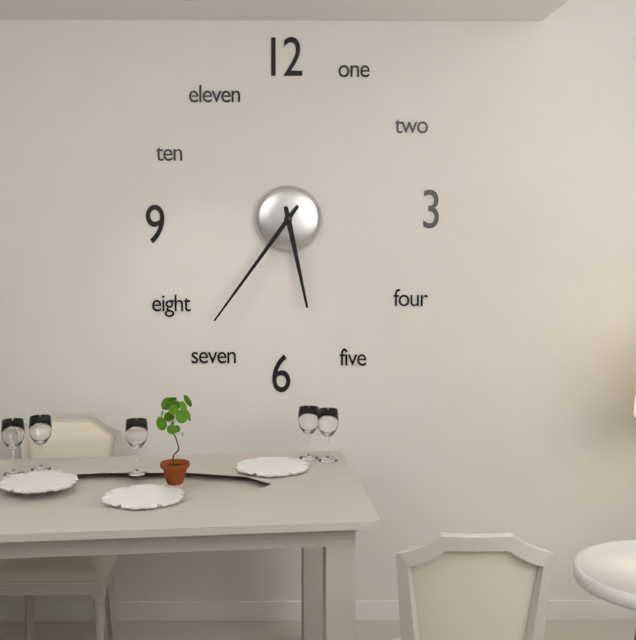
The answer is 5:36
